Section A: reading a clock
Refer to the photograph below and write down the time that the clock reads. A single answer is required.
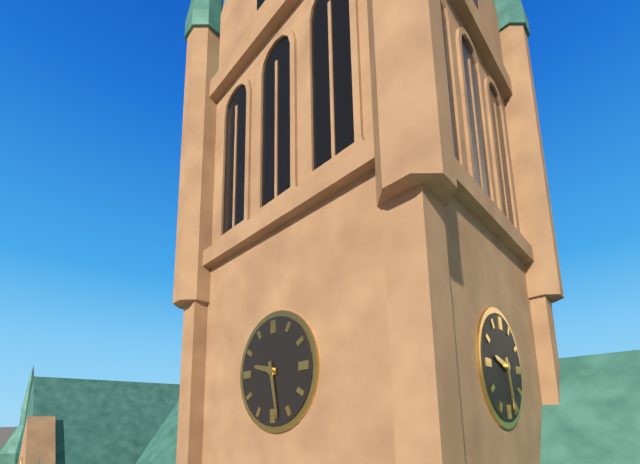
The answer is 9:28
